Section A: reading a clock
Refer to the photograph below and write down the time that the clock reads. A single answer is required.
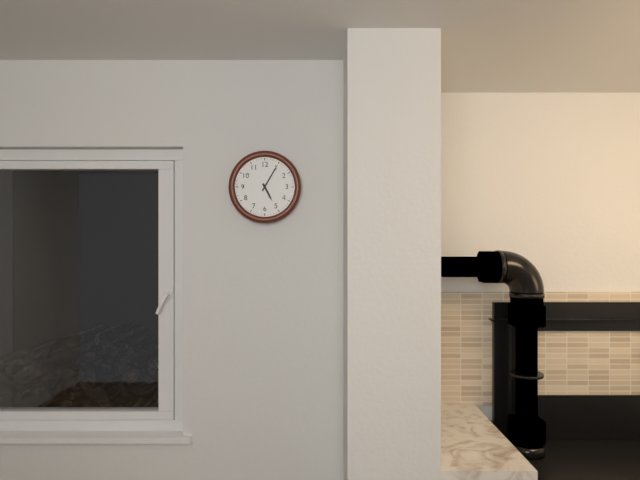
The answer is 5:05
